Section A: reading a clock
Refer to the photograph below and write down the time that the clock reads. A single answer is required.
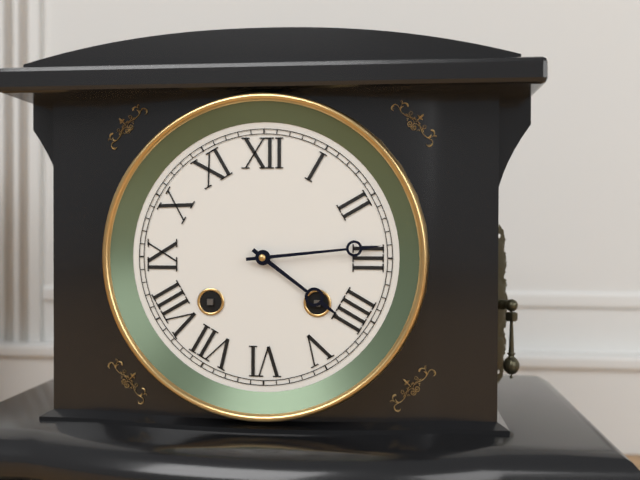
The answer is 4:14
